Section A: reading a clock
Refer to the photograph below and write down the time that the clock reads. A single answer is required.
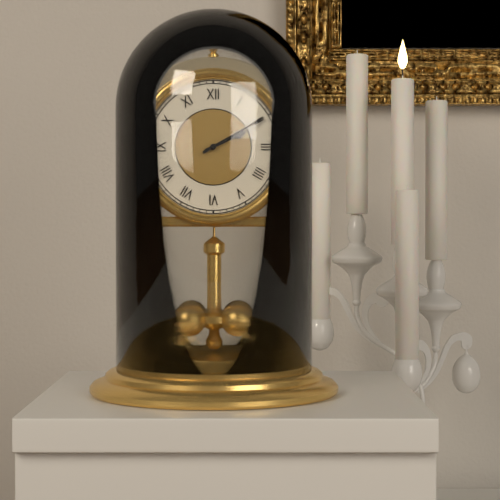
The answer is 2:10
